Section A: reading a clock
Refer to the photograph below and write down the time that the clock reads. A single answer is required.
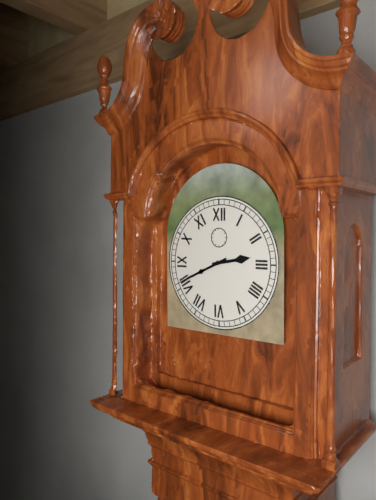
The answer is 2:41
